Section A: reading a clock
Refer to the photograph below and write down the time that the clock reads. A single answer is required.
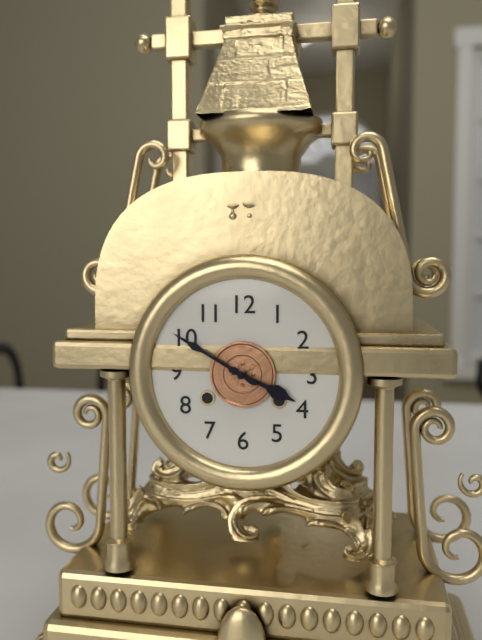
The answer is 3:50
